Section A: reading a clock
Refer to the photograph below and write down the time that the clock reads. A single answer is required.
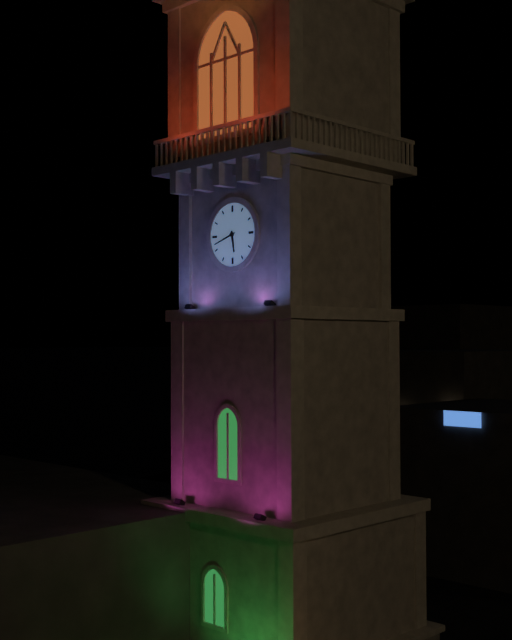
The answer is 5:42
